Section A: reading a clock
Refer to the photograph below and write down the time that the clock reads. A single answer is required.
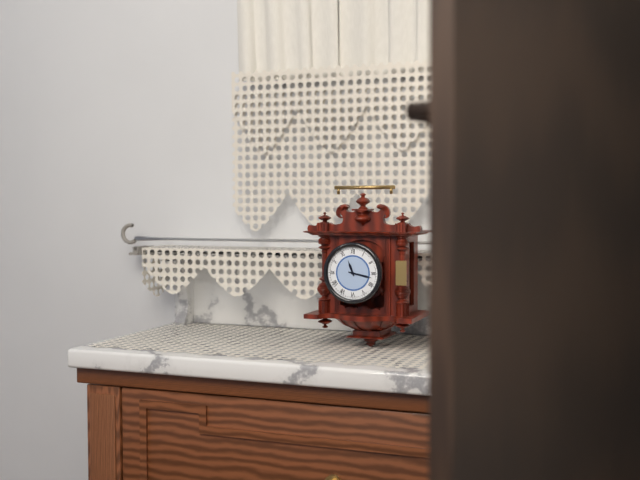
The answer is 11:17
